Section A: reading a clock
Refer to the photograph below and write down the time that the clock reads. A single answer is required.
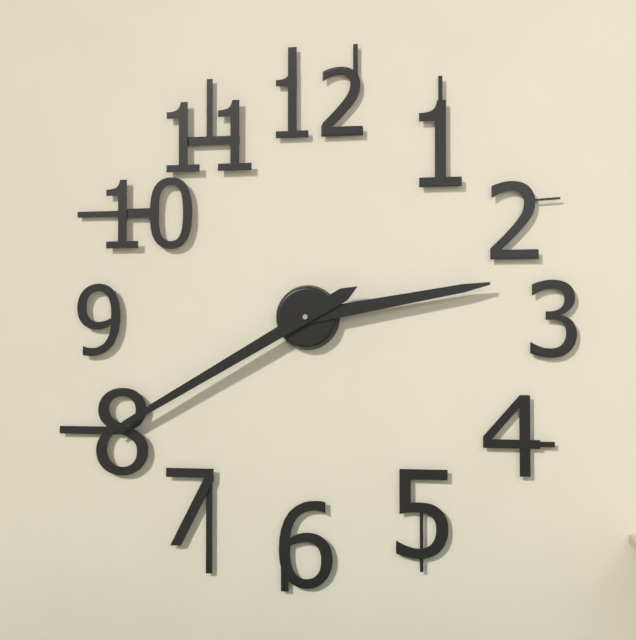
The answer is 2:40
